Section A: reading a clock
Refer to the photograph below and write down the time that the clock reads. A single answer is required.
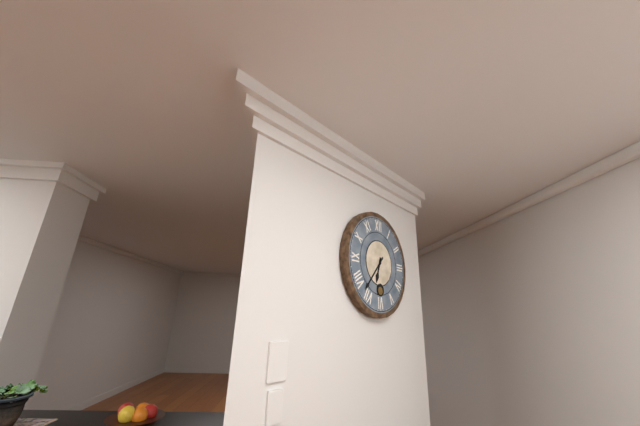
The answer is 6:37
